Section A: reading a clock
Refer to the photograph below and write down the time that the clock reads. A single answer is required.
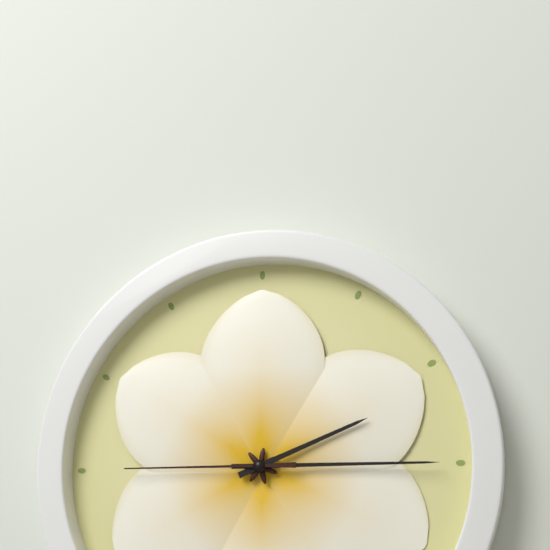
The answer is 2:15:45
